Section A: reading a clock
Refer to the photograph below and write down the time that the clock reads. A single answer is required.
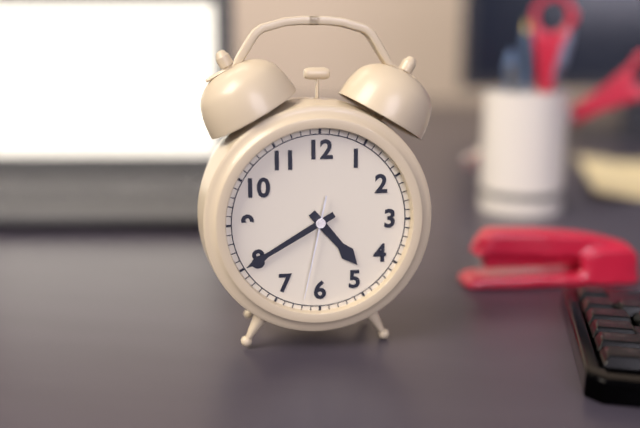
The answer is 4:40:32
